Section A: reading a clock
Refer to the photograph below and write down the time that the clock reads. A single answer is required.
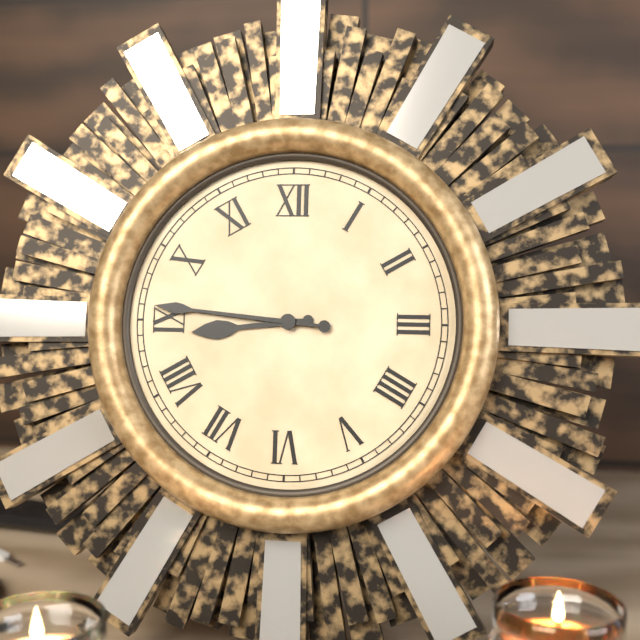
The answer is 8:46
